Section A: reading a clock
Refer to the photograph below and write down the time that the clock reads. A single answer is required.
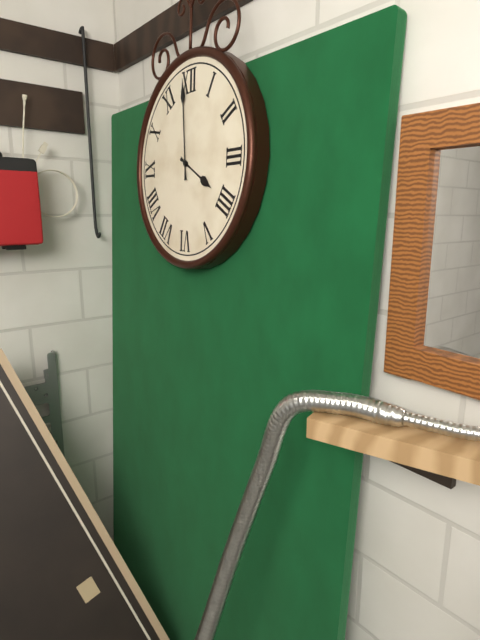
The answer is 3:59
